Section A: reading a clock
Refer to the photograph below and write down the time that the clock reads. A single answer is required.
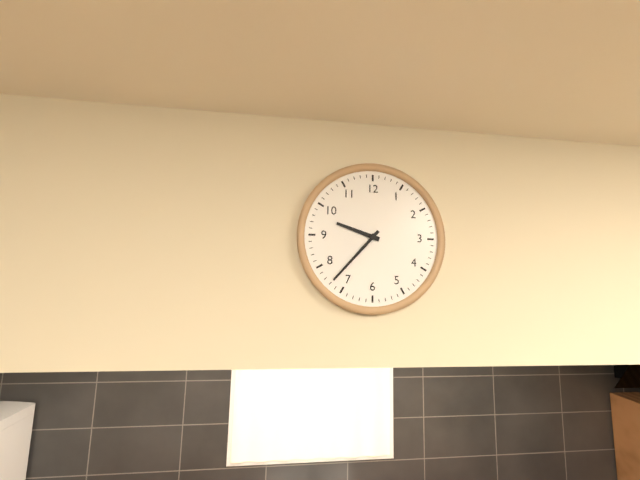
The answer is 9:37
